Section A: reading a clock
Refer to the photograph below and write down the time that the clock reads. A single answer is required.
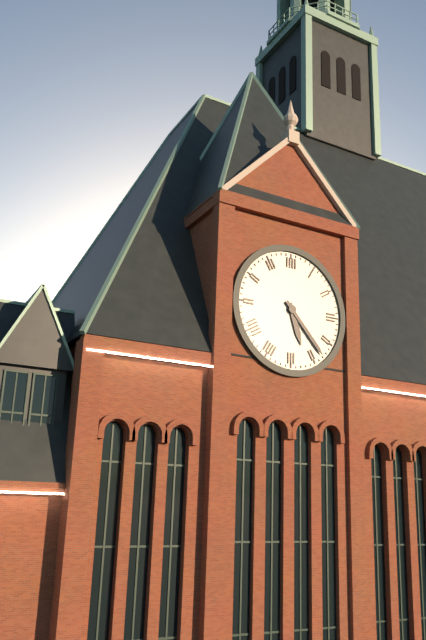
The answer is 5:23
